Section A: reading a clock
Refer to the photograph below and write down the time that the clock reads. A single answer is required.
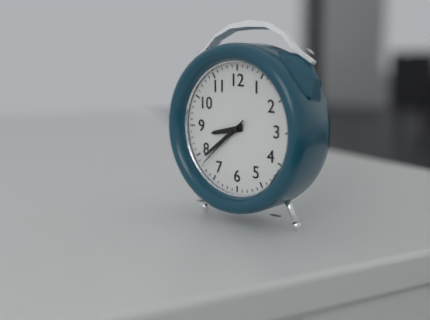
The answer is 8:39:38
